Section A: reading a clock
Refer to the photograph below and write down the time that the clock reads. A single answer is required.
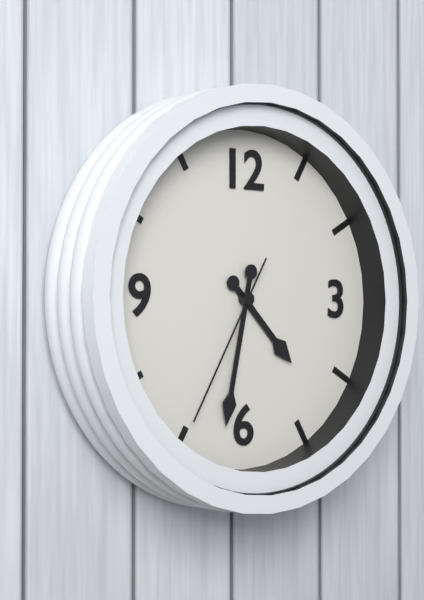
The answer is 4:32:35
